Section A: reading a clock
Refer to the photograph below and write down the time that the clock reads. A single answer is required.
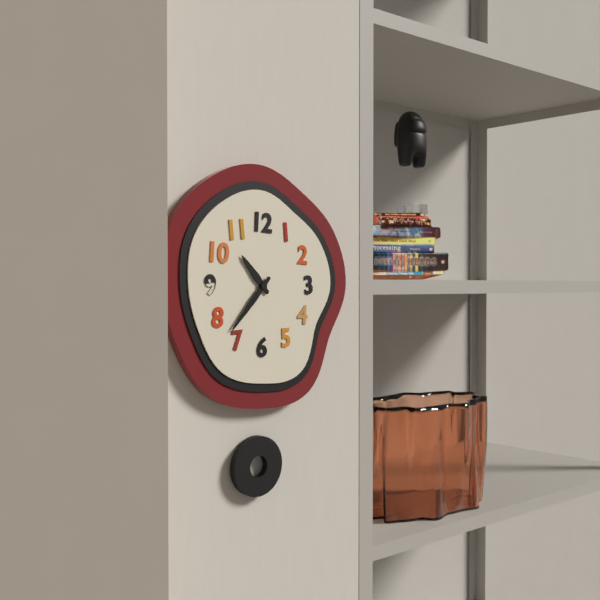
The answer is 10:37
